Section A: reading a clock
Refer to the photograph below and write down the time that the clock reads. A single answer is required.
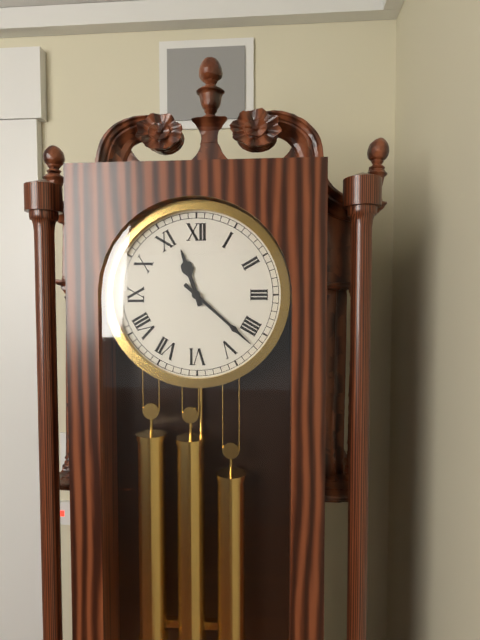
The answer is 11:22
